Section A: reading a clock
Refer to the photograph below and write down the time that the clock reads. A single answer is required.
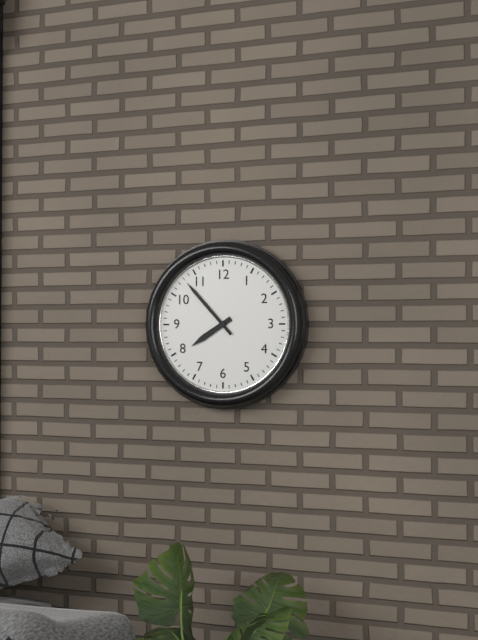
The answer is 7:53
